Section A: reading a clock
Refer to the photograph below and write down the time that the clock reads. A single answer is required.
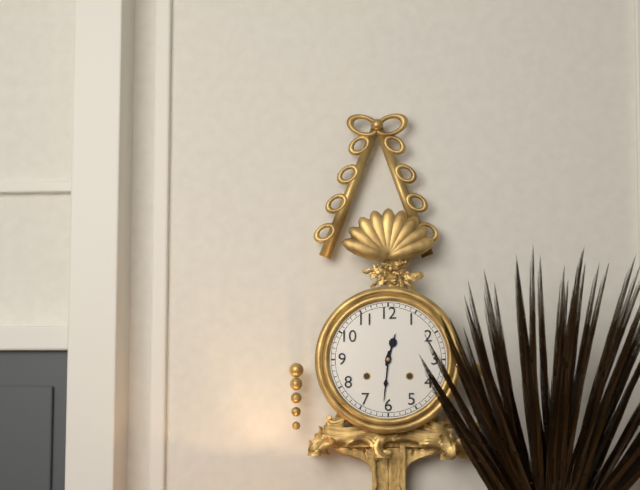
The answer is 12:31
